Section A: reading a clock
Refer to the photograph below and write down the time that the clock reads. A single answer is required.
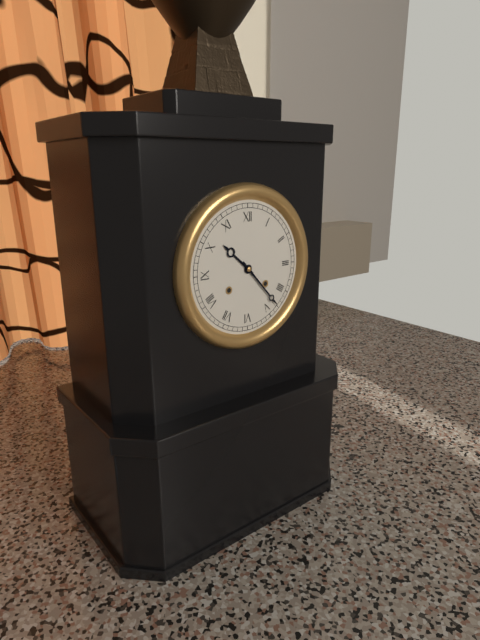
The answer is 10:23
